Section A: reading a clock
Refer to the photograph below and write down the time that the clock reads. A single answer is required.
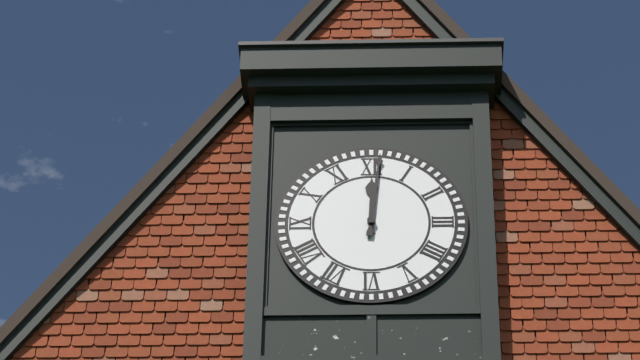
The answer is 12:01
